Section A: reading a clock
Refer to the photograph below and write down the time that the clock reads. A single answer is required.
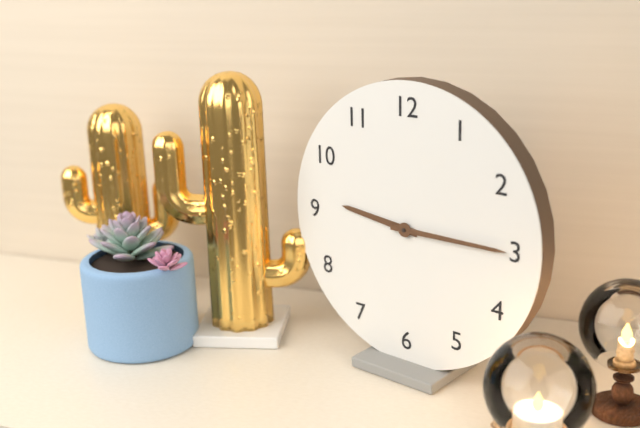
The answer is 9:15
